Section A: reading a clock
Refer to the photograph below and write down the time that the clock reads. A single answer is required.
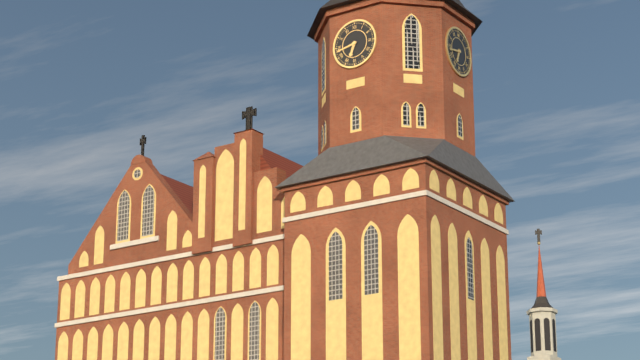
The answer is 6:43
